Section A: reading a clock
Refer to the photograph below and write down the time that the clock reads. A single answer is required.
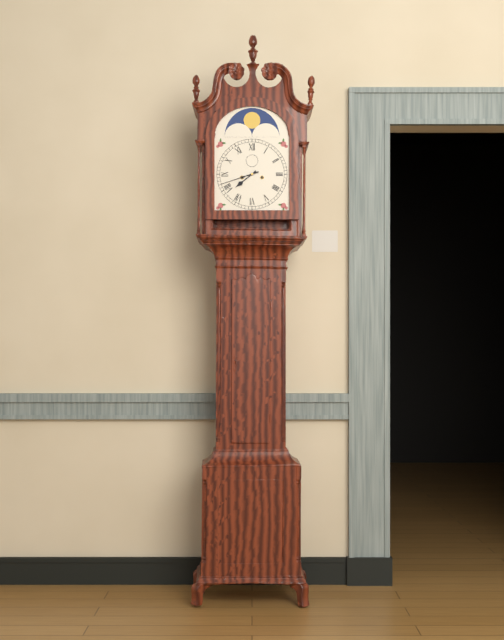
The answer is 7:42
